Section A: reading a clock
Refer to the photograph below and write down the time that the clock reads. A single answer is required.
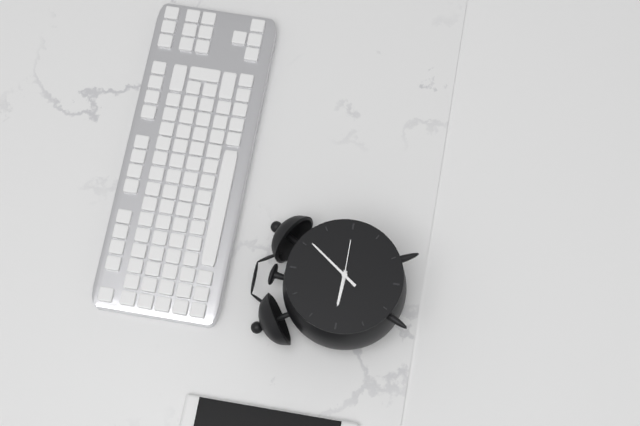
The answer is 9:06
